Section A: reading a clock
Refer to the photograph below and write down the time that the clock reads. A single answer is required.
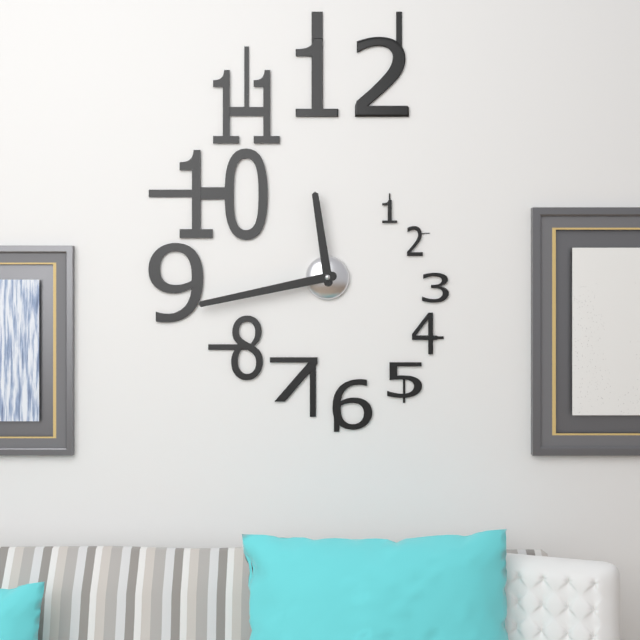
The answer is 11:43
